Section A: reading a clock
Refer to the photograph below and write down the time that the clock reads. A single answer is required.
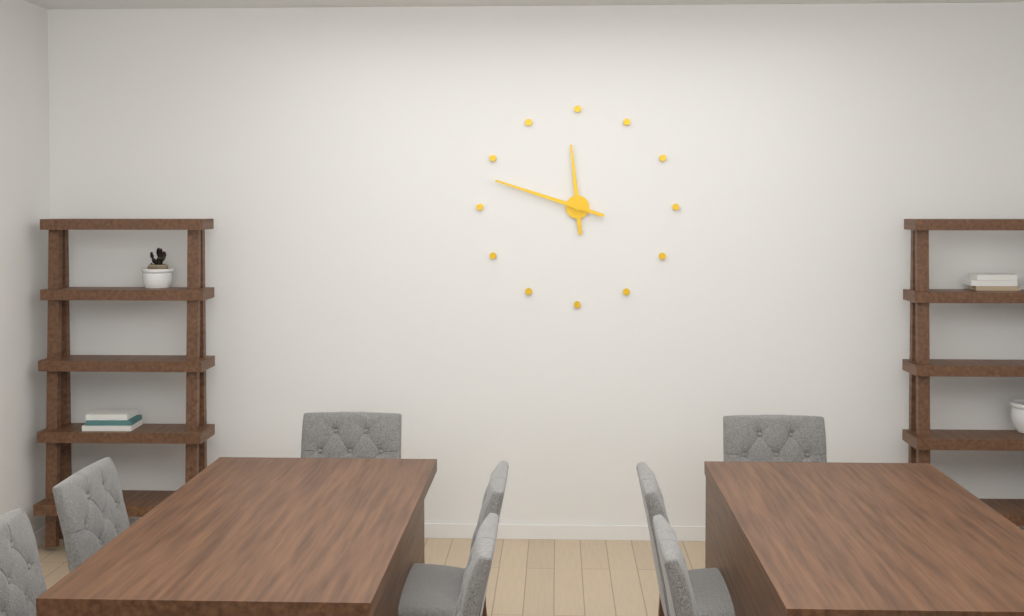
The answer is 11:48
